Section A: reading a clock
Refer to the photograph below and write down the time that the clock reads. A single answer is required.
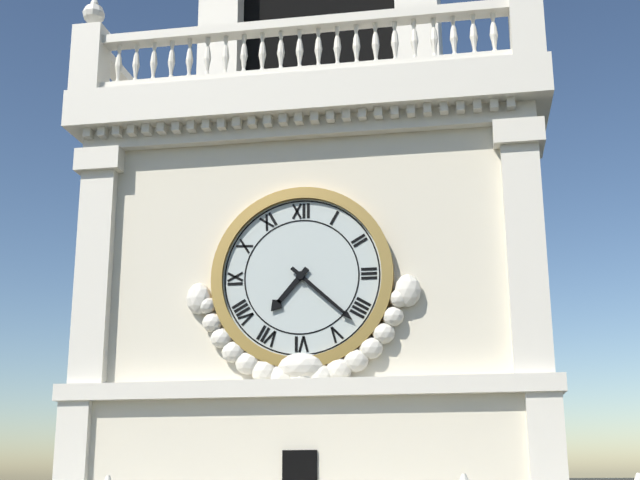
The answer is 7:22
